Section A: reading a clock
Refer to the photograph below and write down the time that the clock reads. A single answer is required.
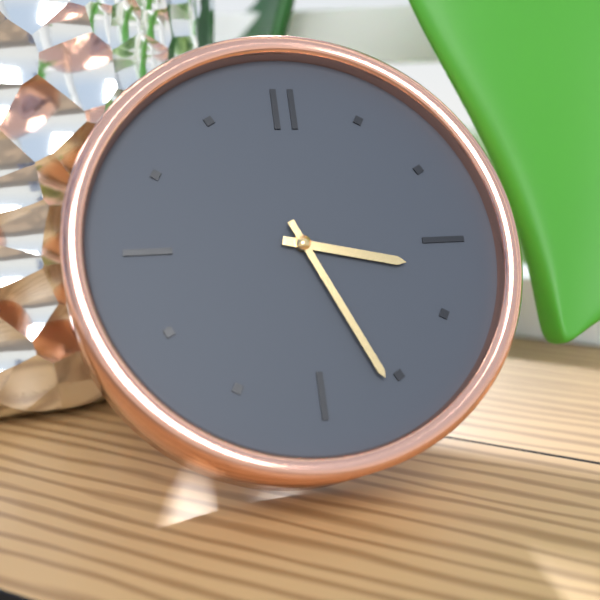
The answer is 3:26
